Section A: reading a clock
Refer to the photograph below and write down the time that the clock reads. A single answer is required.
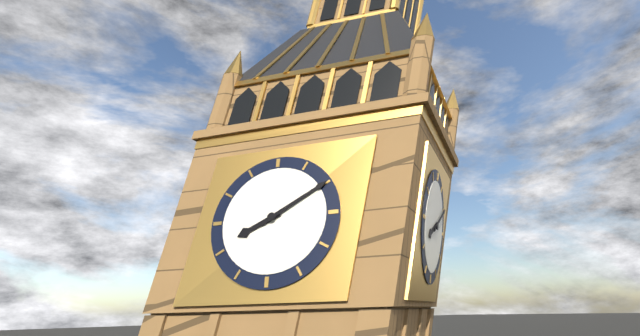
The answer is 8:10
